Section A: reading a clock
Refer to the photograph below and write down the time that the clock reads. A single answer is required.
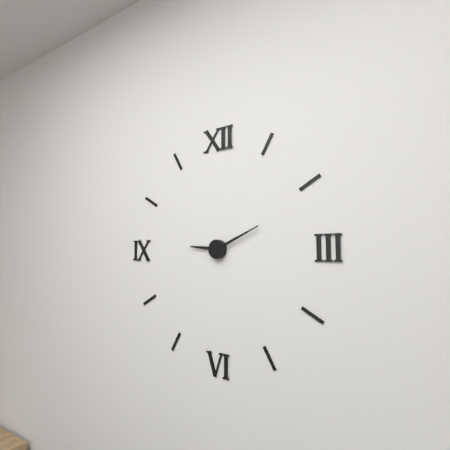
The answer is 9:11
